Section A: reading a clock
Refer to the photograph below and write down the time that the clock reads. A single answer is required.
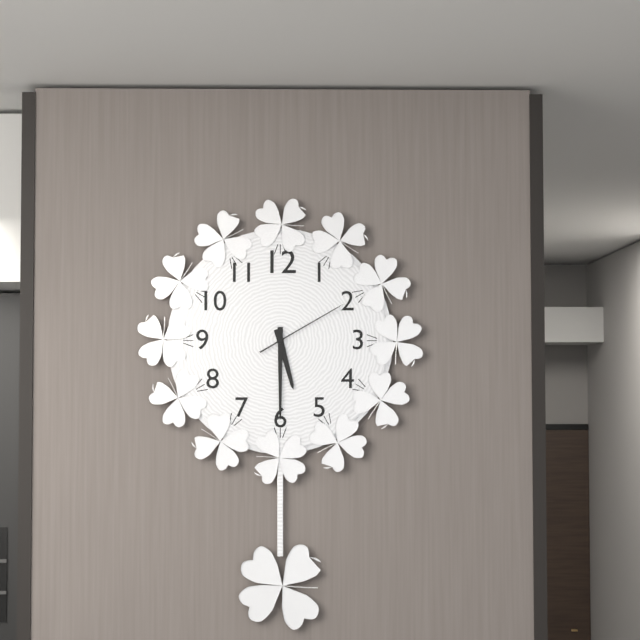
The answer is 5:30:10
